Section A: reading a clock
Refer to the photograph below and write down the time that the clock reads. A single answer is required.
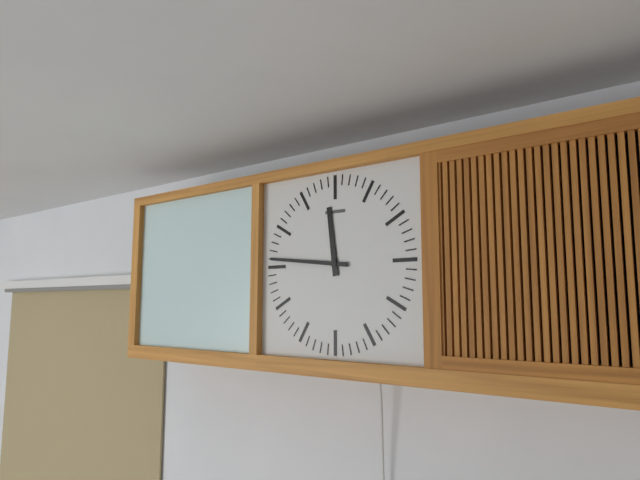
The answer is 11:46
